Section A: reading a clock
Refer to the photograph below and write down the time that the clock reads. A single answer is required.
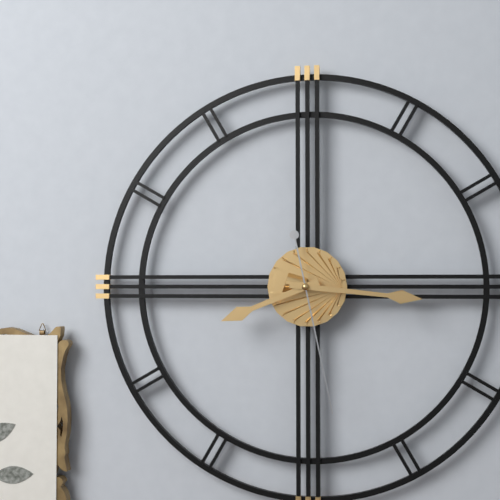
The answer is 8:16:28
